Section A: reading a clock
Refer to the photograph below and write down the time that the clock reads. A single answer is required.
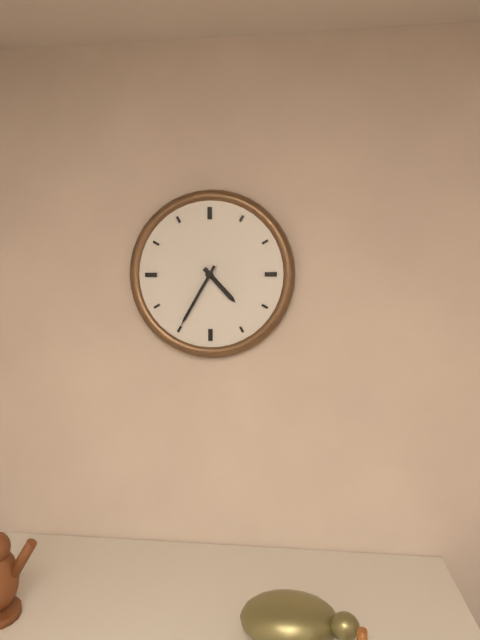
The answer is 4:35
